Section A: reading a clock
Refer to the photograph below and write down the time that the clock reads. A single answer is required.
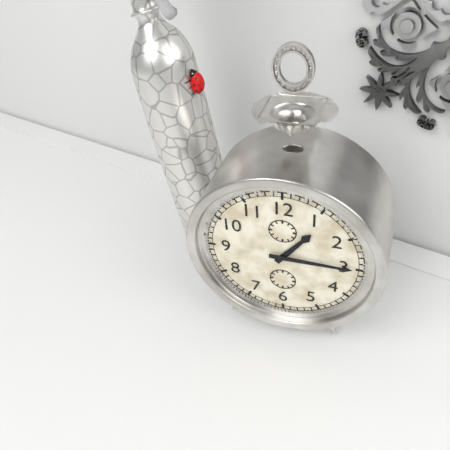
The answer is 1:15
